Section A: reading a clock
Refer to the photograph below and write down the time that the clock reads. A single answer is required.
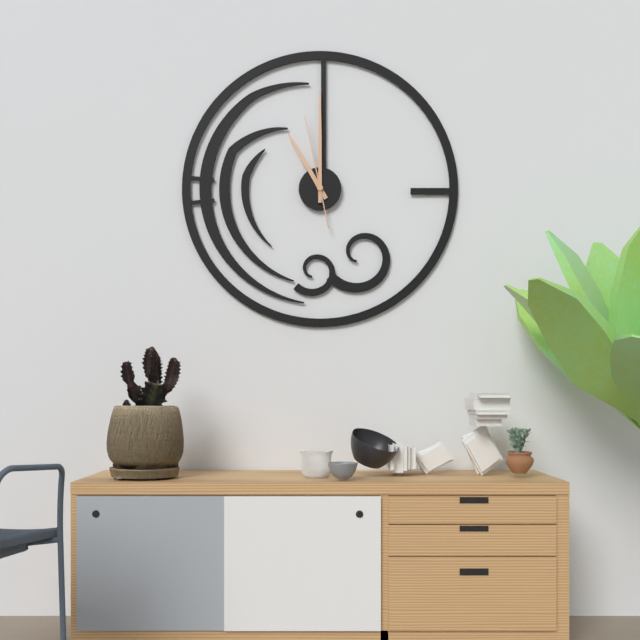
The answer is 11:00:58
